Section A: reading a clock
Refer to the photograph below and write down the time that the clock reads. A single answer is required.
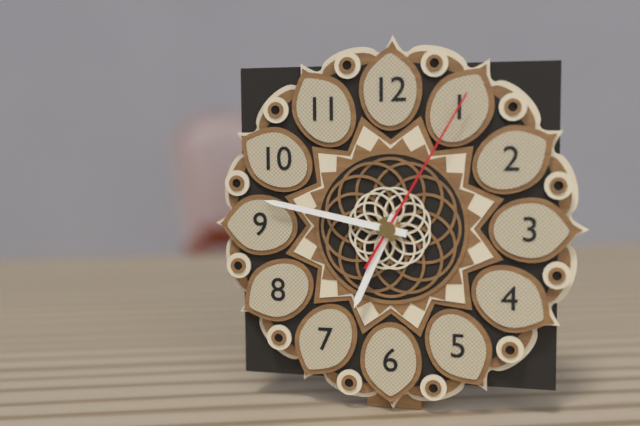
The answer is 6:47:05
